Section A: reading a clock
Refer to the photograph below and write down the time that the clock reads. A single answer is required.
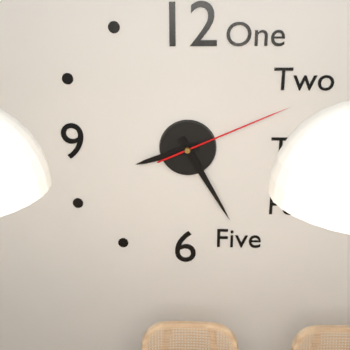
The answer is 8:25:11
